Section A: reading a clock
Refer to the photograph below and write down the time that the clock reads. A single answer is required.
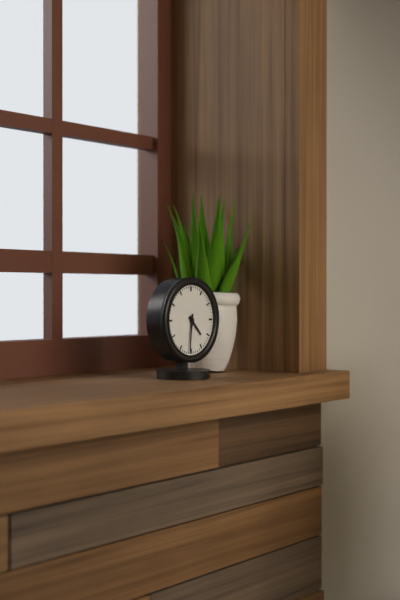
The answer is 4:31
